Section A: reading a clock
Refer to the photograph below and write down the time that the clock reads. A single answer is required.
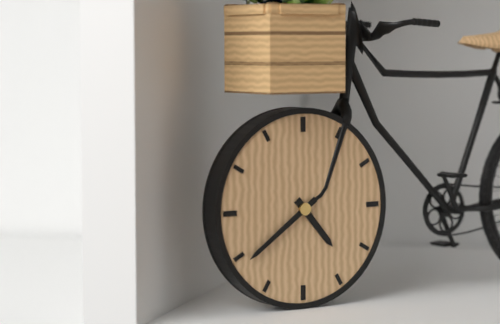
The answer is 4:39
